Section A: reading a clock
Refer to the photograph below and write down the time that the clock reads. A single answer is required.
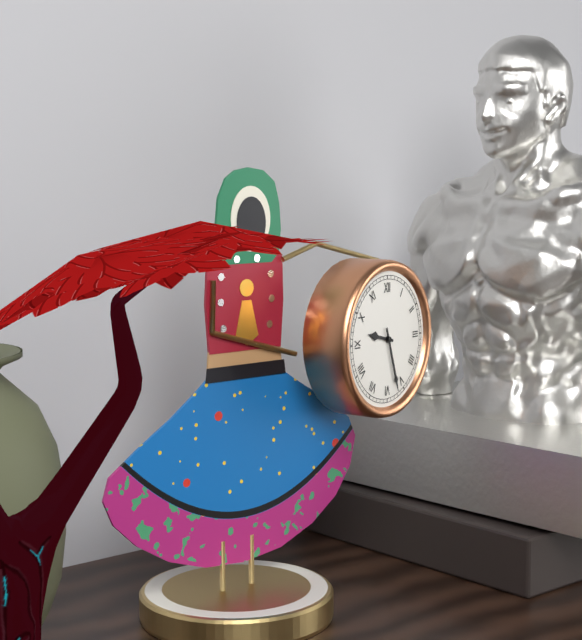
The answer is 9:27
